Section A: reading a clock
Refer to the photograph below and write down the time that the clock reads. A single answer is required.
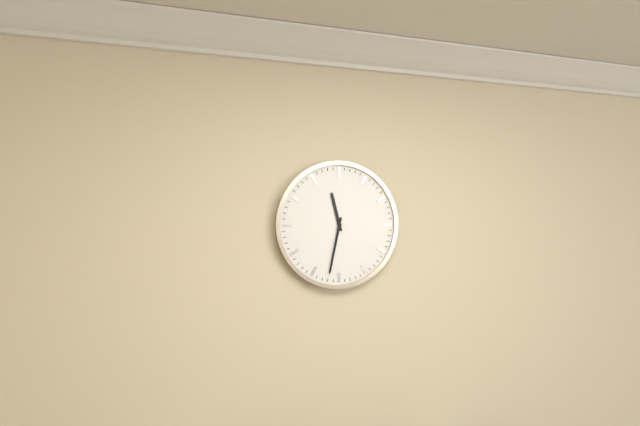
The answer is 11:32
